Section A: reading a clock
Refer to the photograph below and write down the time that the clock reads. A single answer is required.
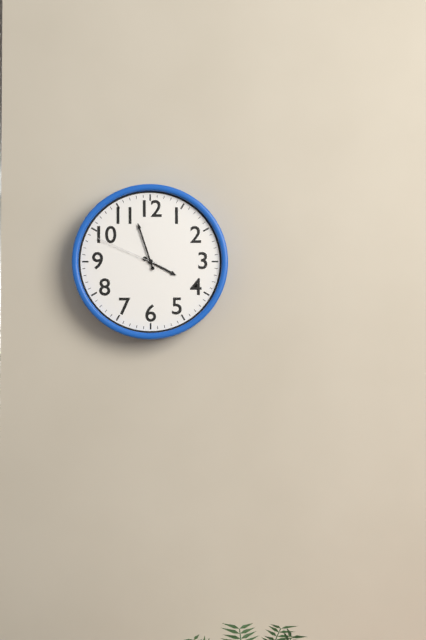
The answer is 3:57:49
